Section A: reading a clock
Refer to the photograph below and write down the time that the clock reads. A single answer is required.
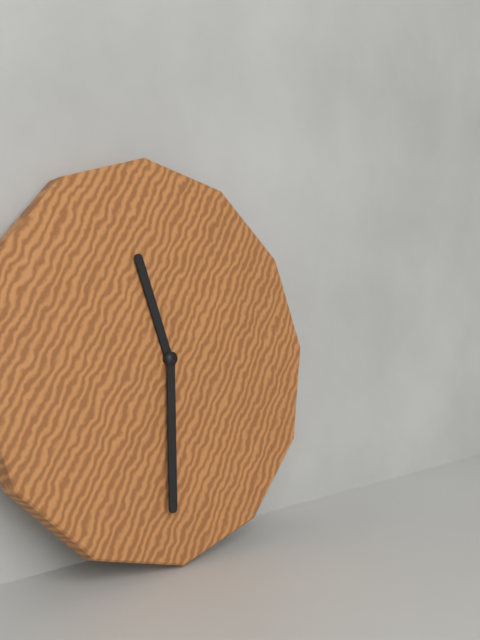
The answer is 11:31
